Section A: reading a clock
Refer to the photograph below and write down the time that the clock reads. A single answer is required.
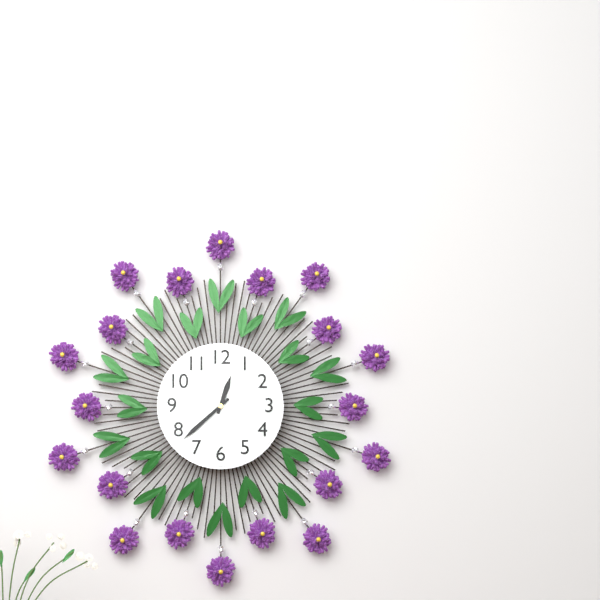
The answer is 12:38
